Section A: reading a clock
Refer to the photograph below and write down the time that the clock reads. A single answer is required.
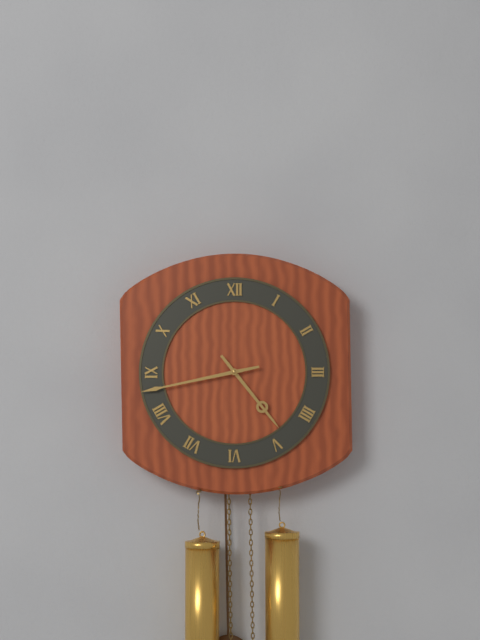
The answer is 4:43
